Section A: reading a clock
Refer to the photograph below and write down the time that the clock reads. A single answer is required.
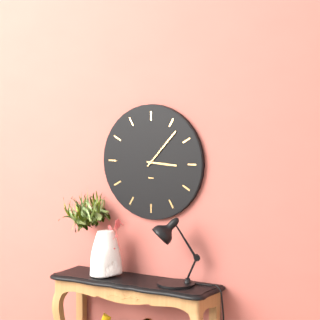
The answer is 3:07
